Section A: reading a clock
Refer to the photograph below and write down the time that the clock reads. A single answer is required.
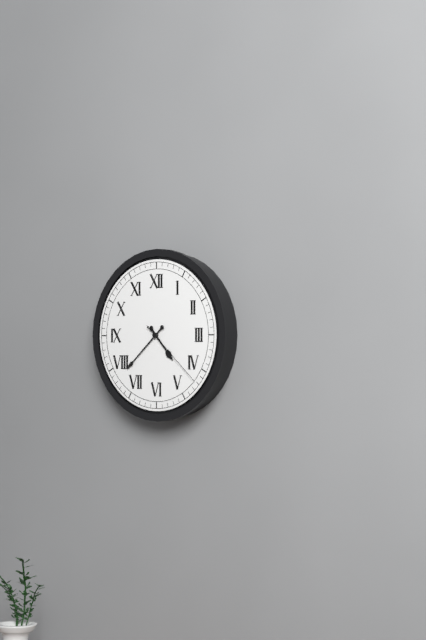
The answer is 4:38:22
